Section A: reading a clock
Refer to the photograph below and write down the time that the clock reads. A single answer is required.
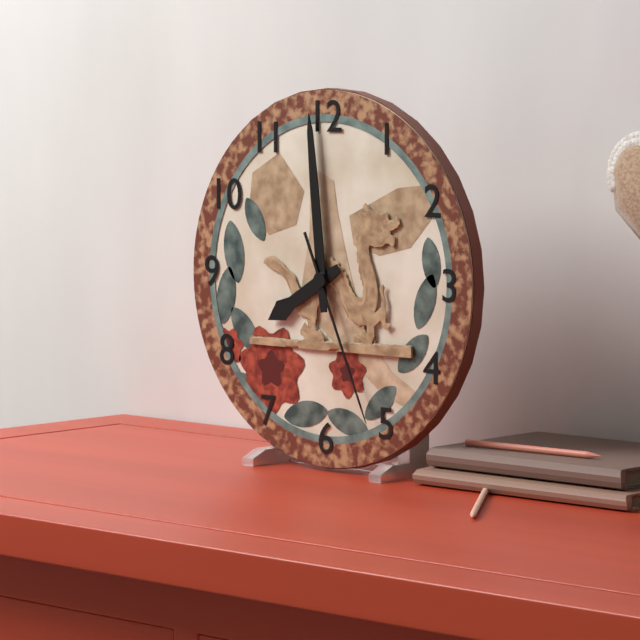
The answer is 7:59:26
